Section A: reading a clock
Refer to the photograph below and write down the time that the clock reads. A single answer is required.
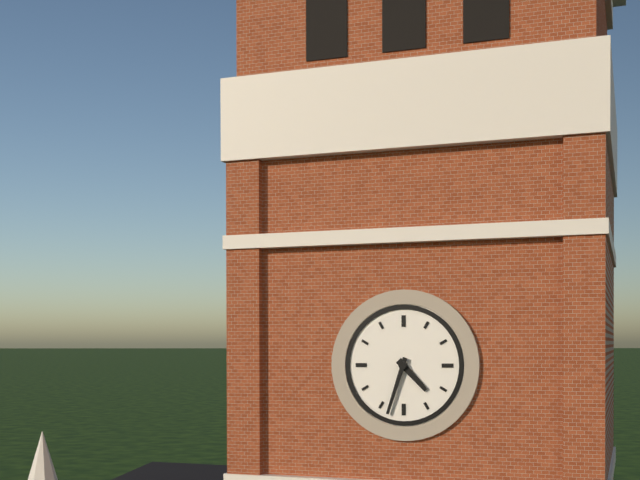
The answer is 4:33
